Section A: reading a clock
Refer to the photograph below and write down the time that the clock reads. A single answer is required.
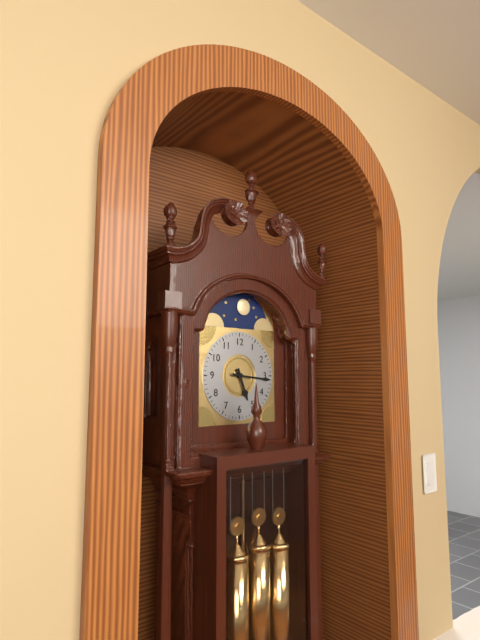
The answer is 5:16
